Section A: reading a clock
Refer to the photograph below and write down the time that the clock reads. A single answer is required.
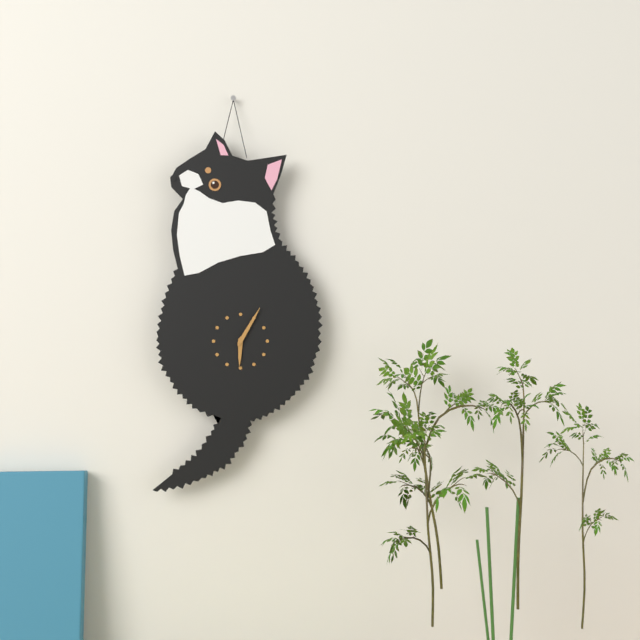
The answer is 6:05
